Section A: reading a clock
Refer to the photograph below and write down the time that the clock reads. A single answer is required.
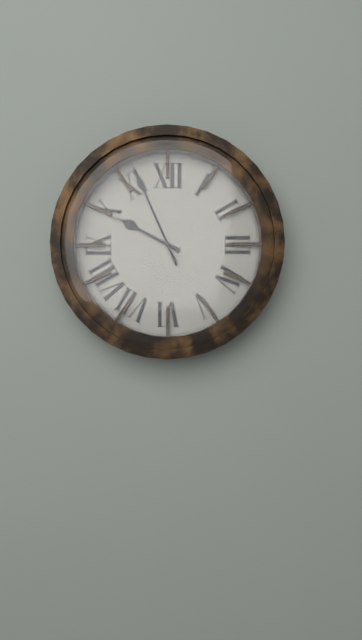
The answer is 9:56
